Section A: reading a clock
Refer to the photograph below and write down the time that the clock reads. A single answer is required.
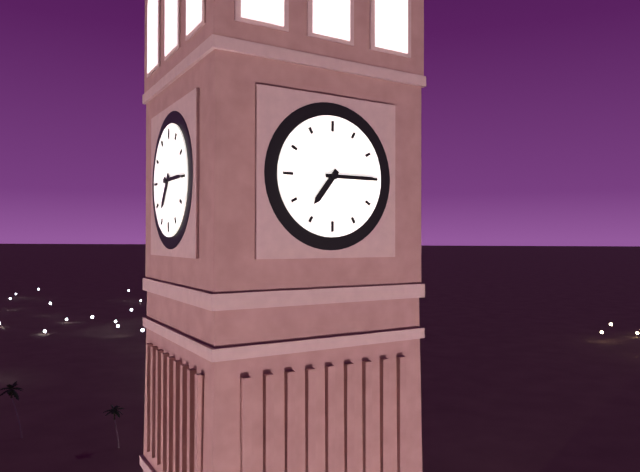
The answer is 7:15
